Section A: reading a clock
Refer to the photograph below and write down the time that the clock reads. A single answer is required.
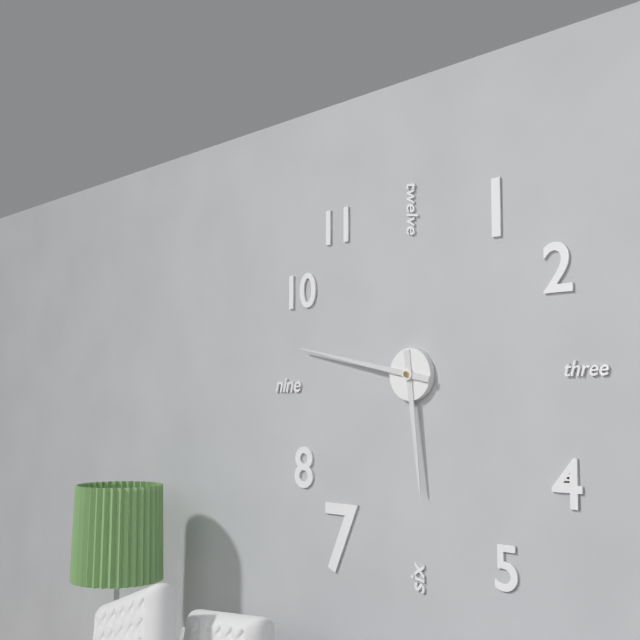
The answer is 5:47
